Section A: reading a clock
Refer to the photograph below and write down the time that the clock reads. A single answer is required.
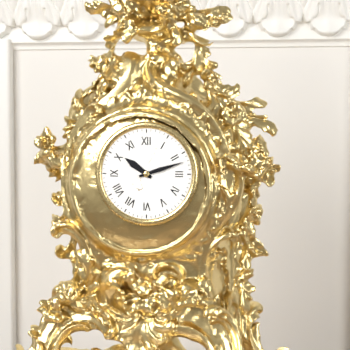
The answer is 10:12
